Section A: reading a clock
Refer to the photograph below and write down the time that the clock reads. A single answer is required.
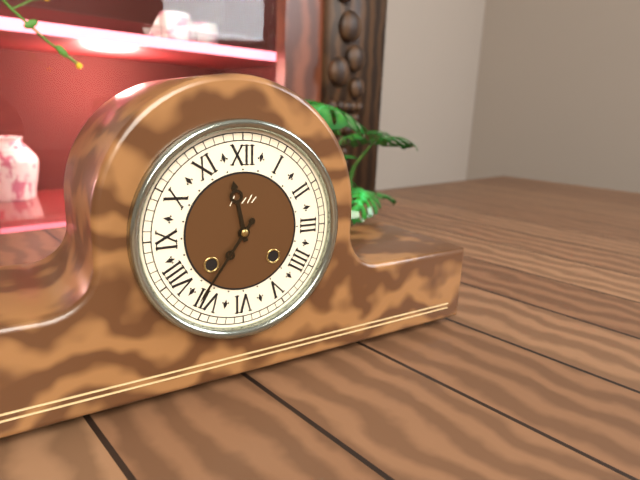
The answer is 11:36
